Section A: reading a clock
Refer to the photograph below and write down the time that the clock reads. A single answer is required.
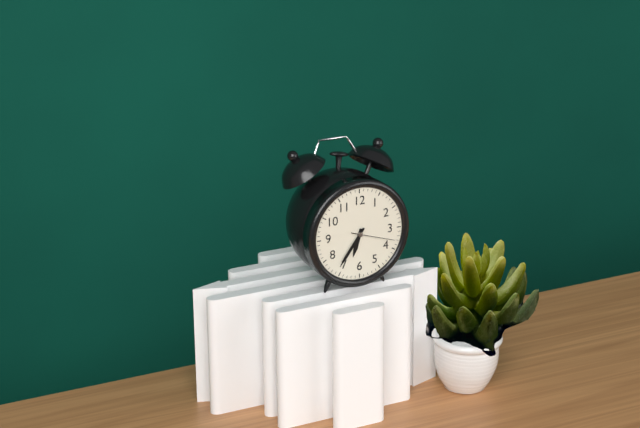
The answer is 6:36
